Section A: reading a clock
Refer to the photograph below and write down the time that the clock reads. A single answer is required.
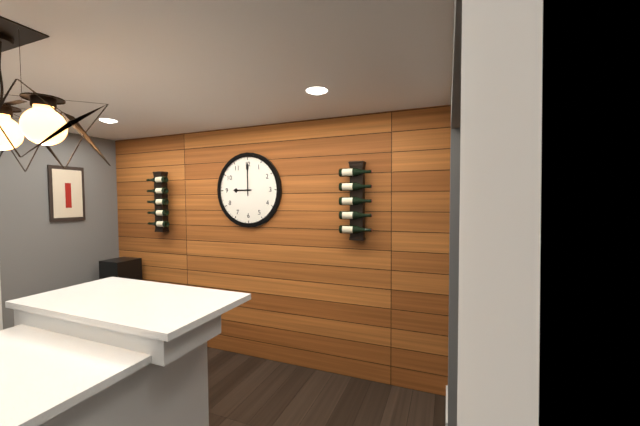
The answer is 9:00
